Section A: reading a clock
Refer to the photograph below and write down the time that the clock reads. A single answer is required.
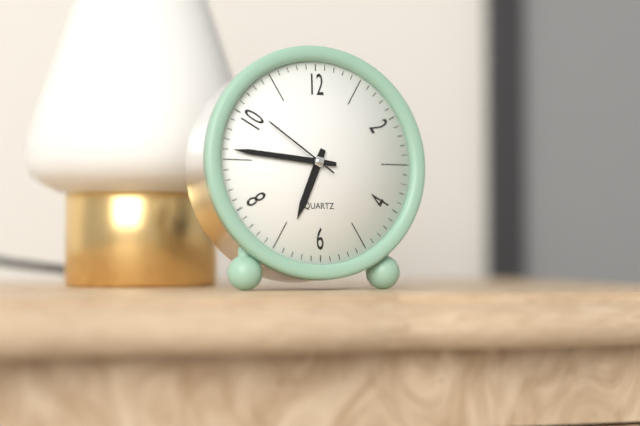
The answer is 6:46:51
